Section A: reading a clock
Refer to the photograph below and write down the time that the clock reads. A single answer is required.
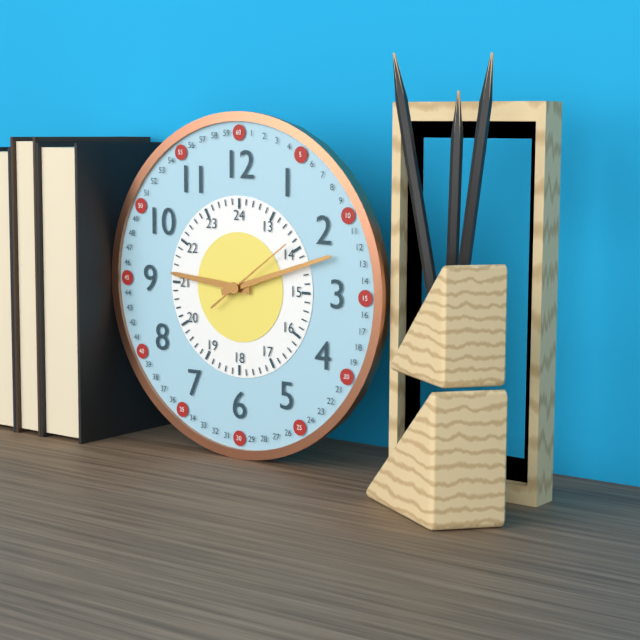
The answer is 9:12:09
